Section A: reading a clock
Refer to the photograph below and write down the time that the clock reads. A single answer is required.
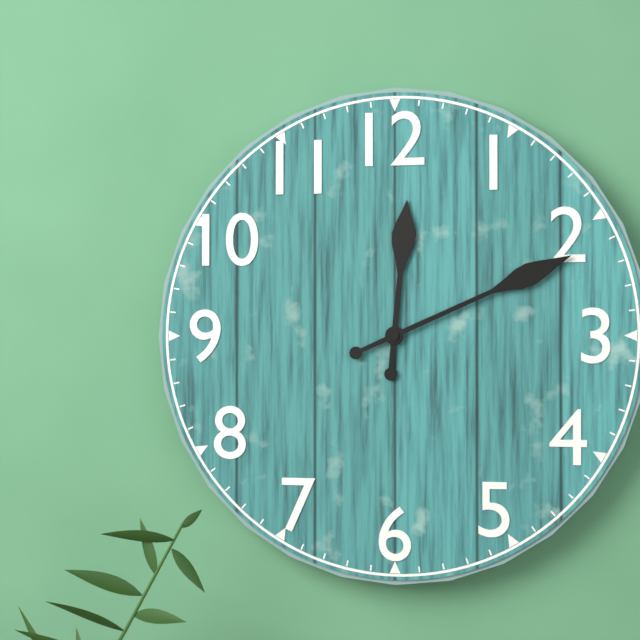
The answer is 12:11
